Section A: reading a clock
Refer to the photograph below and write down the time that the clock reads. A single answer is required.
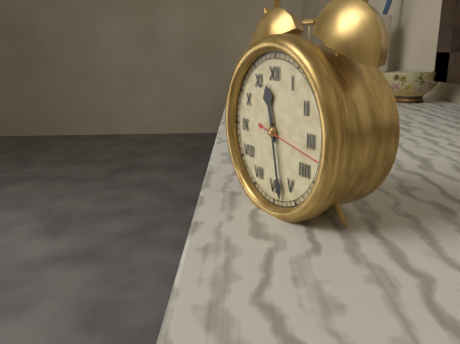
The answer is 11:28:17
